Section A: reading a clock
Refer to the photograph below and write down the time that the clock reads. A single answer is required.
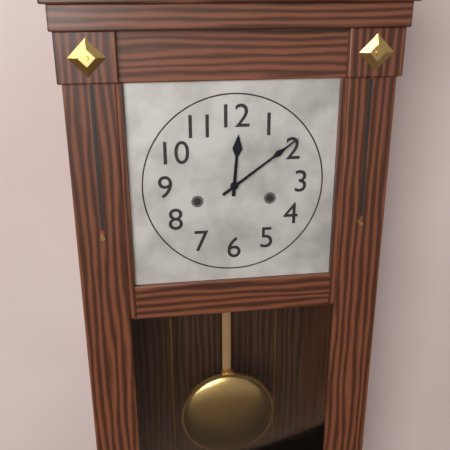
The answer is 12:09
